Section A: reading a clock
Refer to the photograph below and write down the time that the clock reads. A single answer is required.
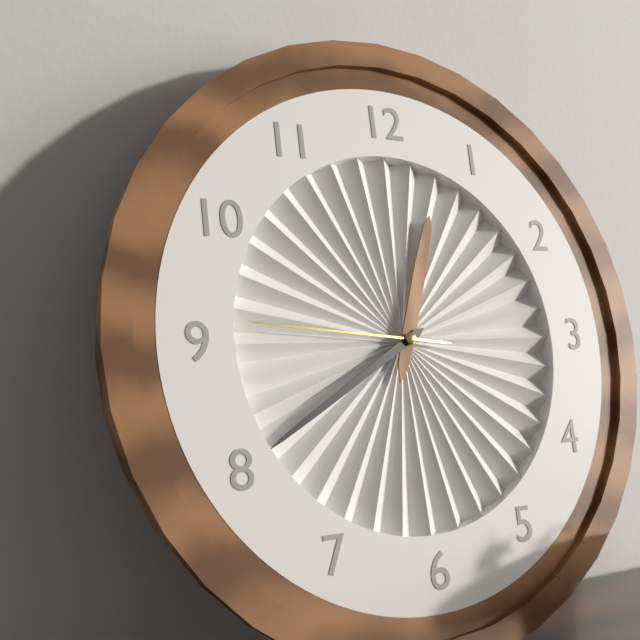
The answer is 12:40:46
